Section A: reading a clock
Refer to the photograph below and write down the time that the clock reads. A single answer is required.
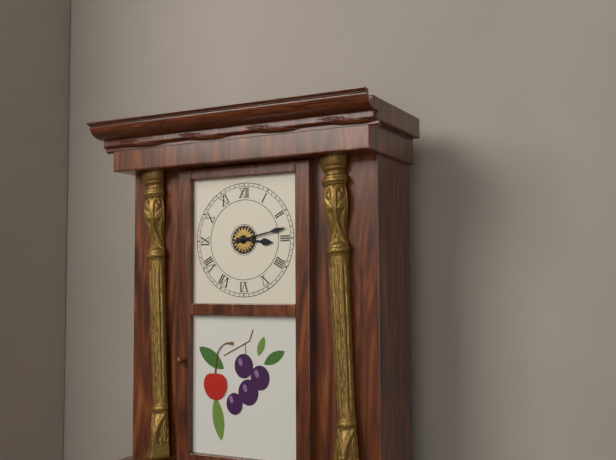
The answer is 3:13
